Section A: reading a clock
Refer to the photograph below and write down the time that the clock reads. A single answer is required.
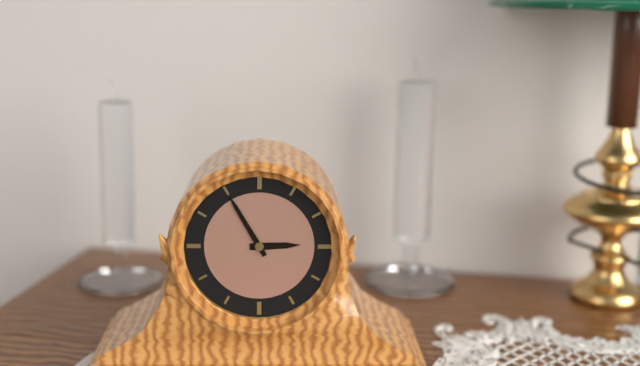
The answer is 2:55
